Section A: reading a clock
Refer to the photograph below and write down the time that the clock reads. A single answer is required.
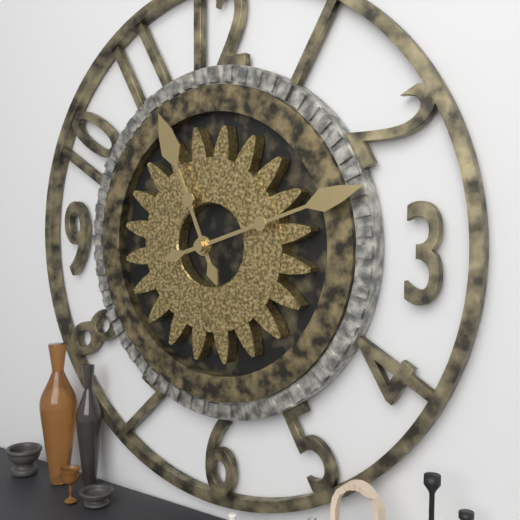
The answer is 11:12
